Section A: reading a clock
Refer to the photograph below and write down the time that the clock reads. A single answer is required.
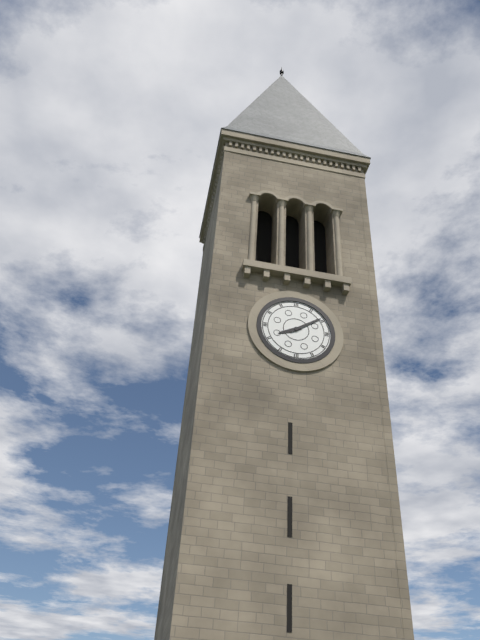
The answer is 8:09
